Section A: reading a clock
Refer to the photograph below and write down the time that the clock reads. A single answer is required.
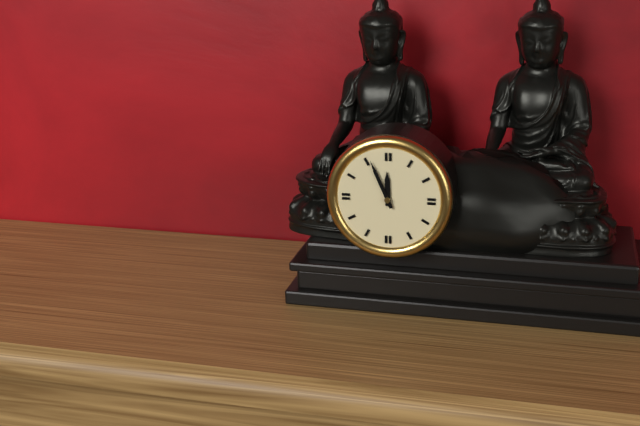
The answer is 11:56
